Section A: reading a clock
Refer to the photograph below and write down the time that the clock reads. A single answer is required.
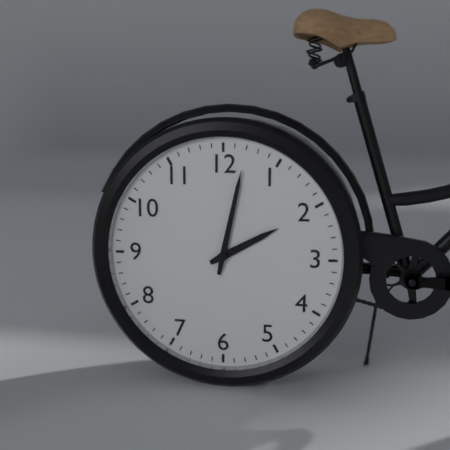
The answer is 2:02
